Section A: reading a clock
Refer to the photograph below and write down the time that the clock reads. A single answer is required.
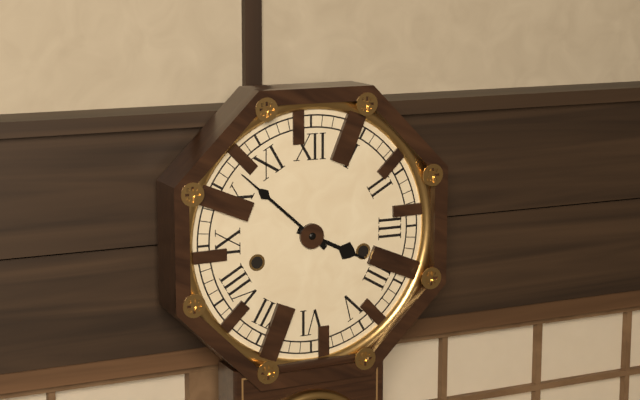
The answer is 3:52
